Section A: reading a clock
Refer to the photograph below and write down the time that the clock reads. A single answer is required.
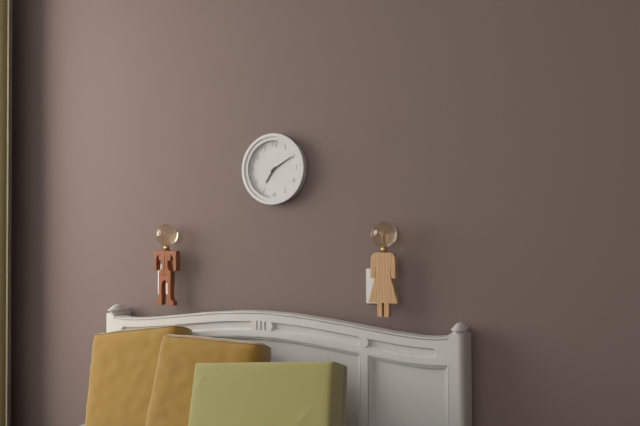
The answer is 7:10
